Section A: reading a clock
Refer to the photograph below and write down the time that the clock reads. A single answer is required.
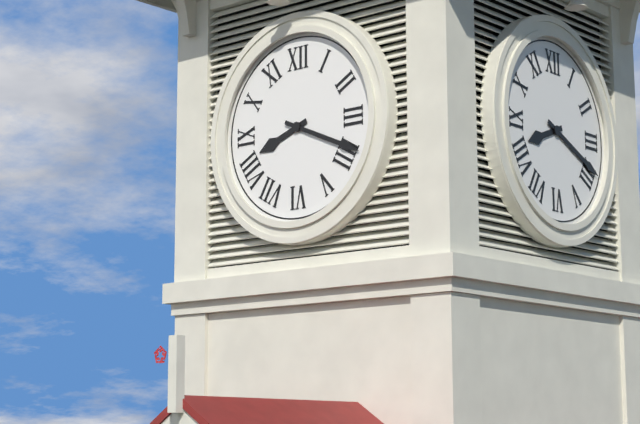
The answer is 8:19
